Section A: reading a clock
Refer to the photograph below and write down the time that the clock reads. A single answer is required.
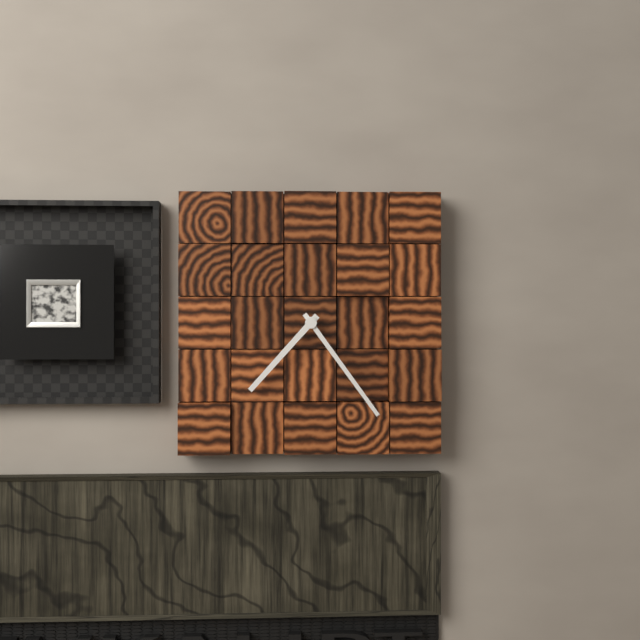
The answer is 7:24
